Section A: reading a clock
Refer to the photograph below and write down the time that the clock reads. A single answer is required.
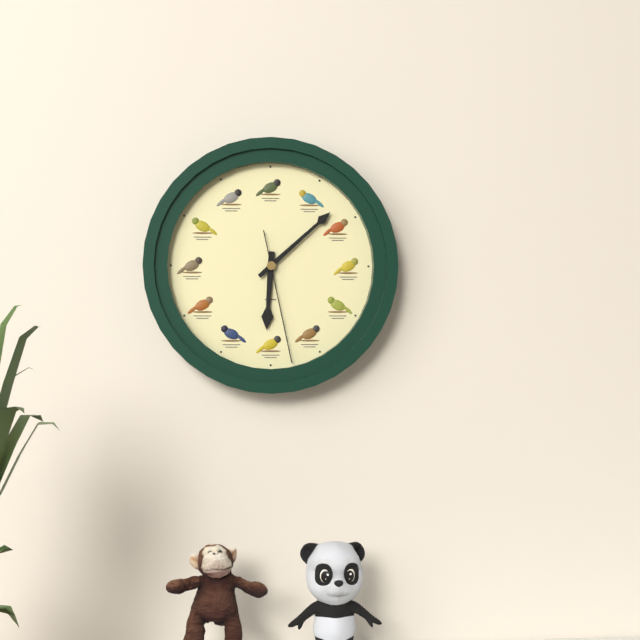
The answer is 6:08:28
